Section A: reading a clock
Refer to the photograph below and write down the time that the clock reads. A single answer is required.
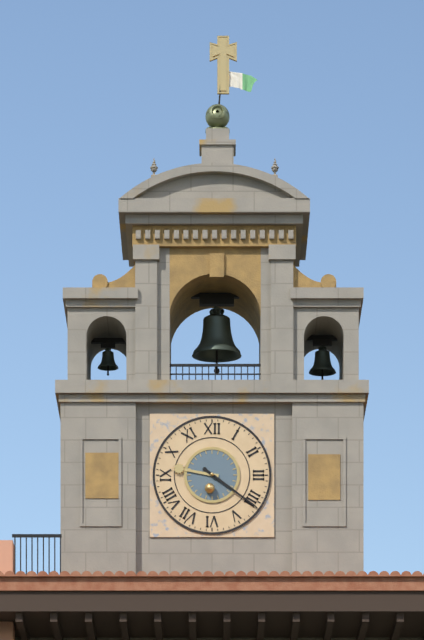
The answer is 9:21
